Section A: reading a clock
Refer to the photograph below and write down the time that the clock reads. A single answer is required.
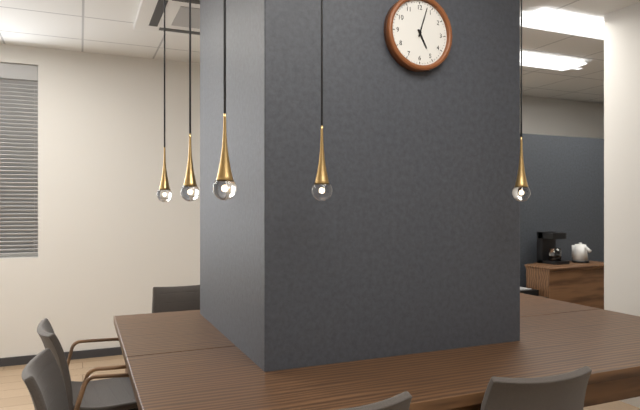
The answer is 5:03
